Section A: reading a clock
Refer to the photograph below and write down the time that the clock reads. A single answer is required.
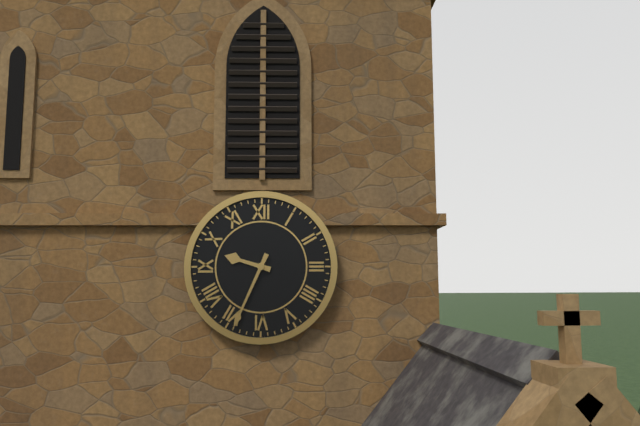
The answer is 9:34
